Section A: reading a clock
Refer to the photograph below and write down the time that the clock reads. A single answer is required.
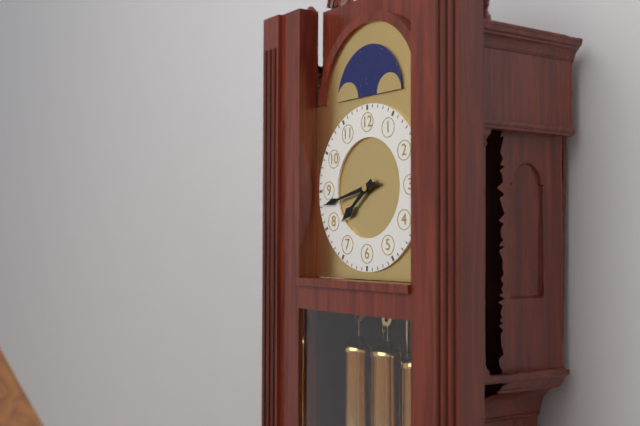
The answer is 7:43
